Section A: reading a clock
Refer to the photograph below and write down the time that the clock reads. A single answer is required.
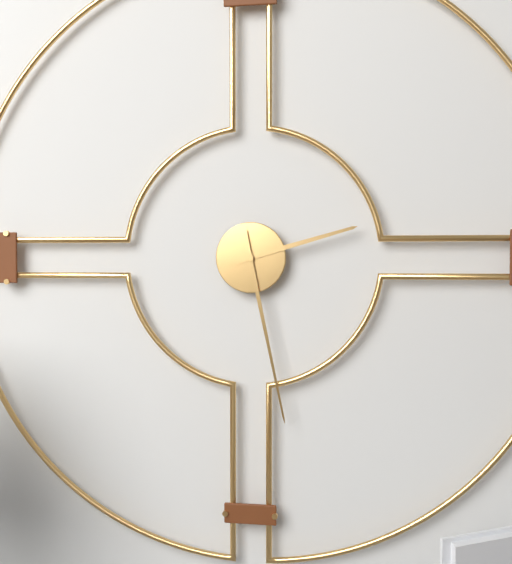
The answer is 2:28
